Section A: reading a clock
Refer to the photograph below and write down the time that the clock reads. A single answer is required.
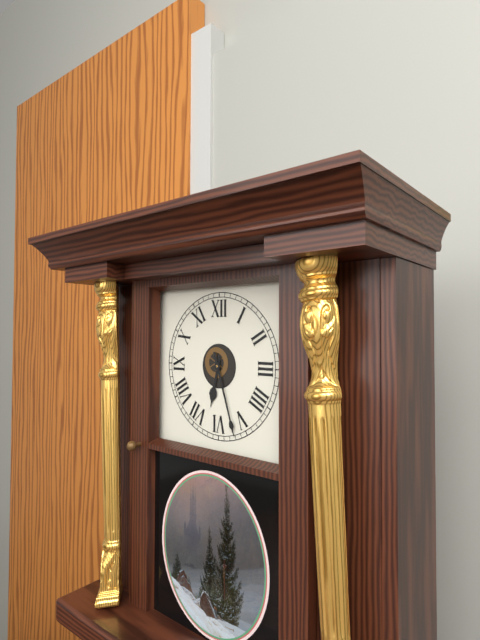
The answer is 6:27
